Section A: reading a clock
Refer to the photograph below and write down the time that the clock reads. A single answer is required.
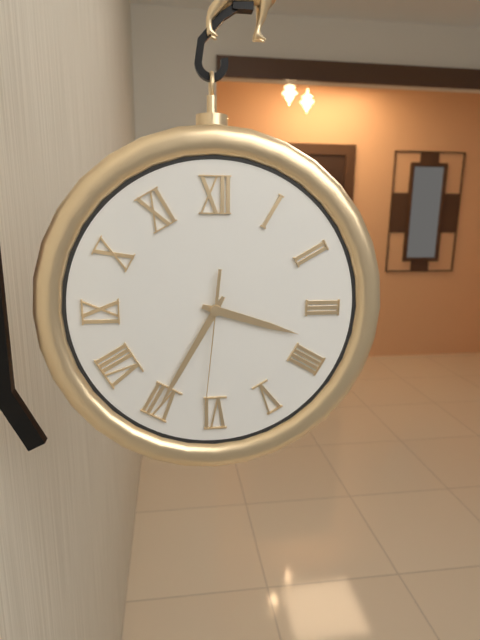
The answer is 3:35:31
